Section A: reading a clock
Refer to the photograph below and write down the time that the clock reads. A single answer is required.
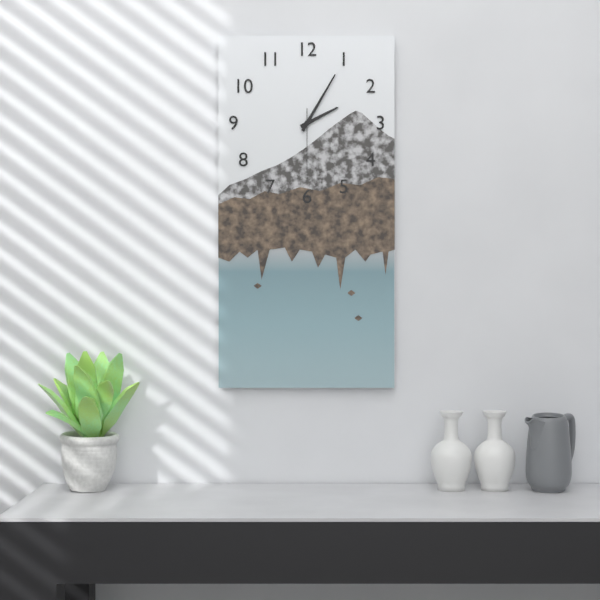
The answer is 2:05:30
